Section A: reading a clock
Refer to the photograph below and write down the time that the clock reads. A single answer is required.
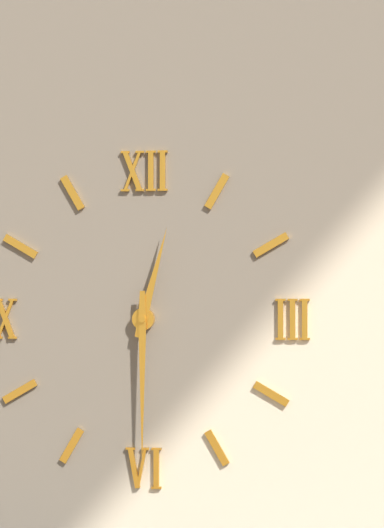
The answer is 12:30
